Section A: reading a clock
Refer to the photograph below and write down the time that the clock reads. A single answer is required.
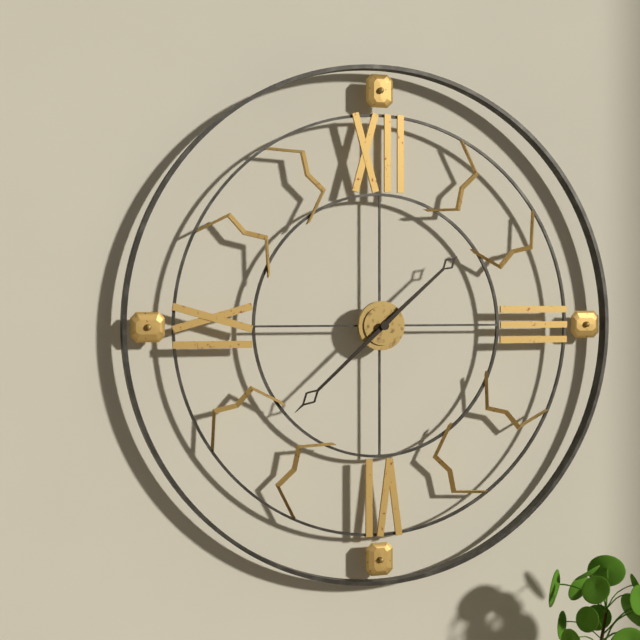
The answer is 1:38
